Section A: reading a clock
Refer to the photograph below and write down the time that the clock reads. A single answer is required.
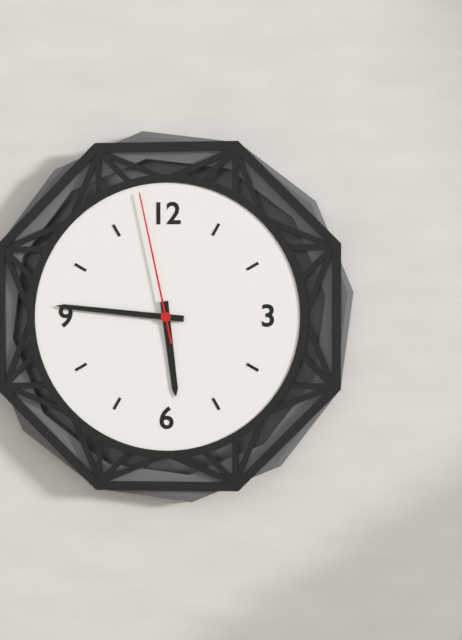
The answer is 5:46:58
